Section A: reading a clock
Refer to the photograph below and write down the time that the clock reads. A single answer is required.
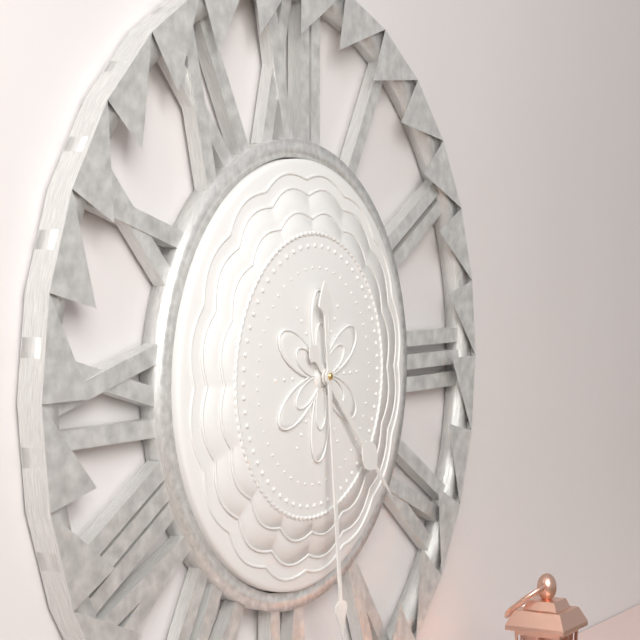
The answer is 4:29
